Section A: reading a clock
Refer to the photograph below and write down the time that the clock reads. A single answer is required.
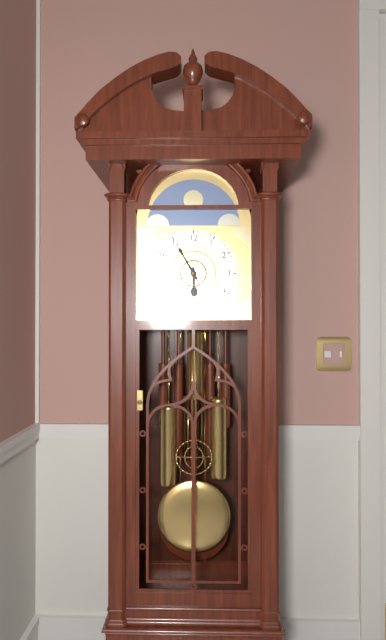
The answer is 5:55
